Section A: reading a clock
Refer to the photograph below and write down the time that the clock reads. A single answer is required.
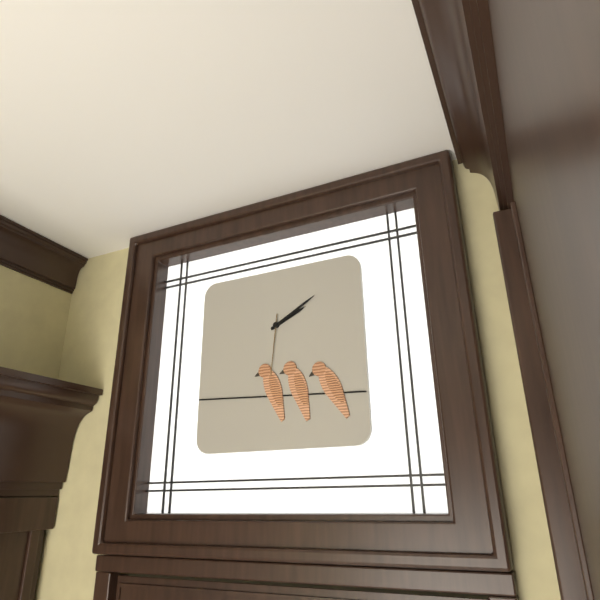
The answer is 2:10:31
